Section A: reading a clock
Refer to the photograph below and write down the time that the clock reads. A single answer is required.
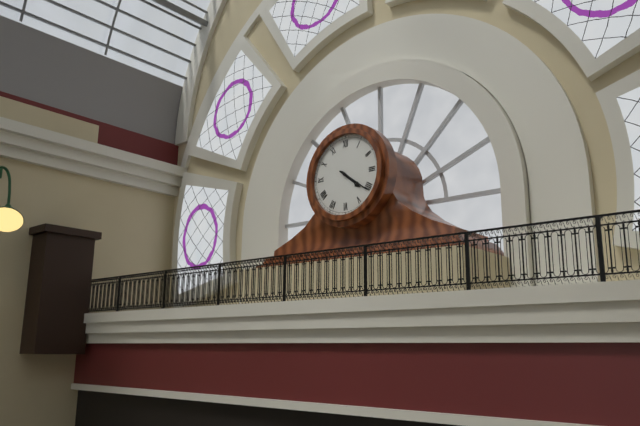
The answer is 4:21
